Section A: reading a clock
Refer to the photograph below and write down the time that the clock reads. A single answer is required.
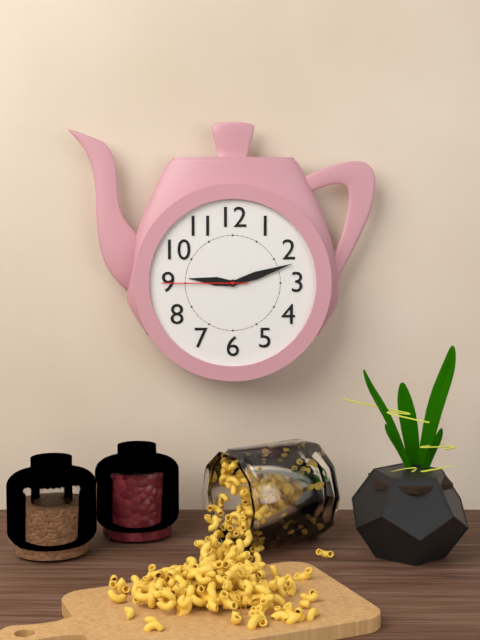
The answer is 9:12:45
